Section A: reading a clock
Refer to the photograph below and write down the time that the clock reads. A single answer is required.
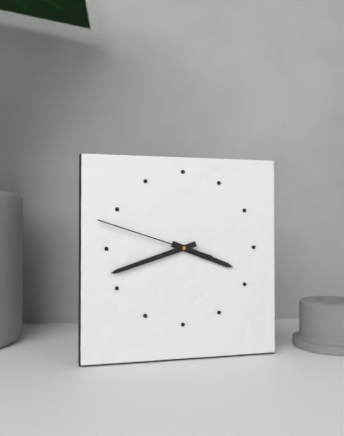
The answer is 3:42:48
